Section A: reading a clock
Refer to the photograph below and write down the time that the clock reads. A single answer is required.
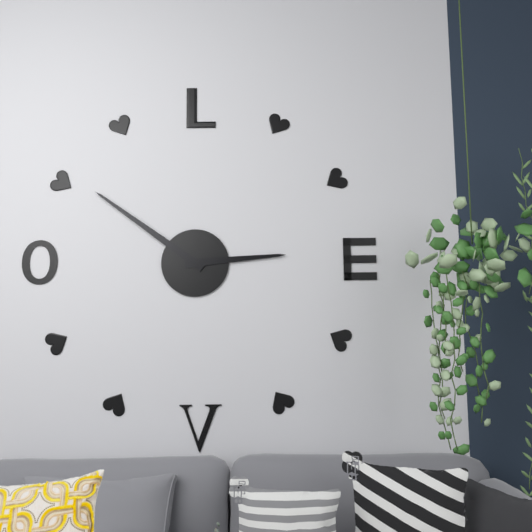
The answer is 2:51
